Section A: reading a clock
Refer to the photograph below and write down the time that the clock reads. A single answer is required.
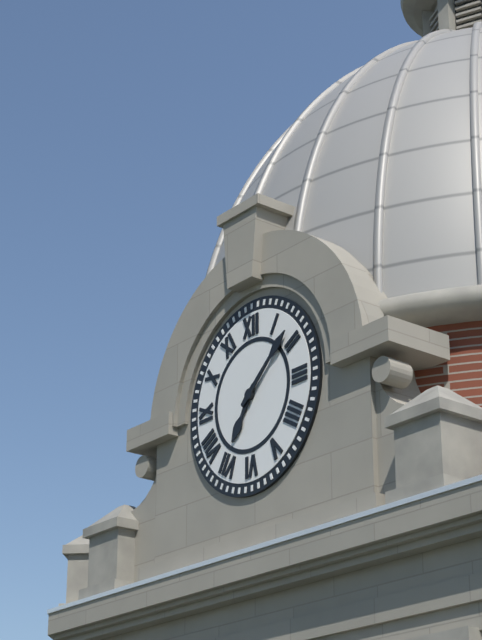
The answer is 7:08
